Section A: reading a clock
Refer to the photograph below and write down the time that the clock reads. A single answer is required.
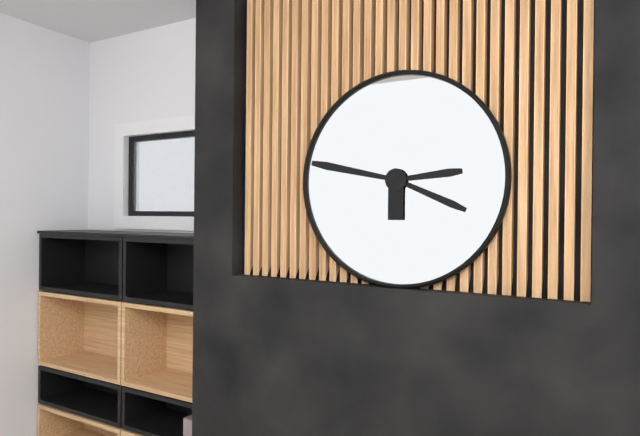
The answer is 3:47:14
